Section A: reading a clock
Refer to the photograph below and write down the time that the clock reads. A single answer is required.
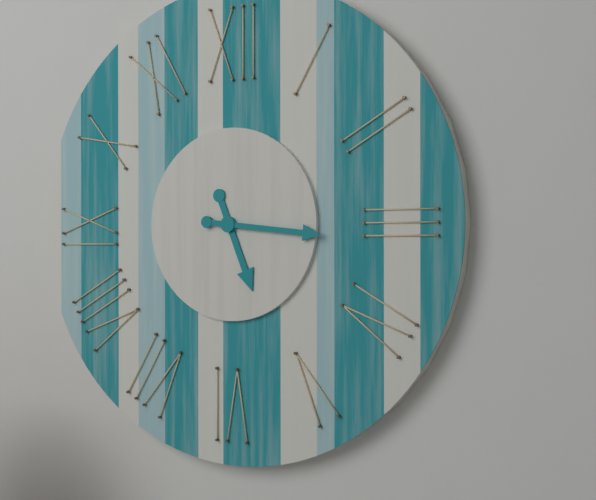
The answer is 5:16
